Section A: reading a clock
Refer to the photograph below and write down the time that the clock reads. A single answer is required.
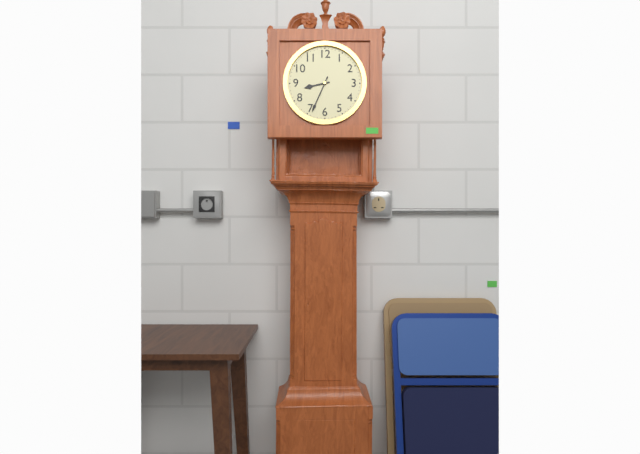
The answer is 8:34
